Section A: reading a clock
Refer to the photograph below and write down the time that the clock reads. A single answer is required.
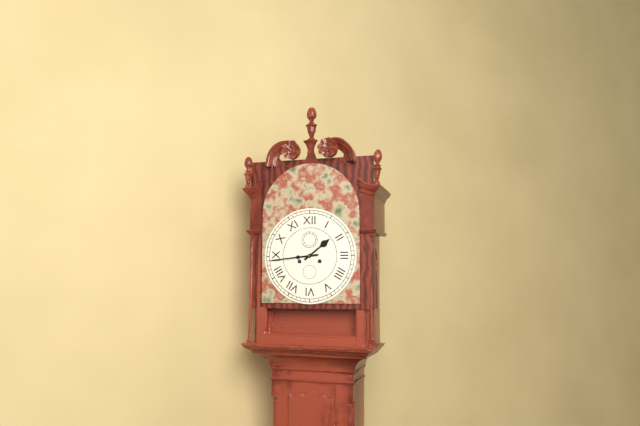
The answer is 1:44
